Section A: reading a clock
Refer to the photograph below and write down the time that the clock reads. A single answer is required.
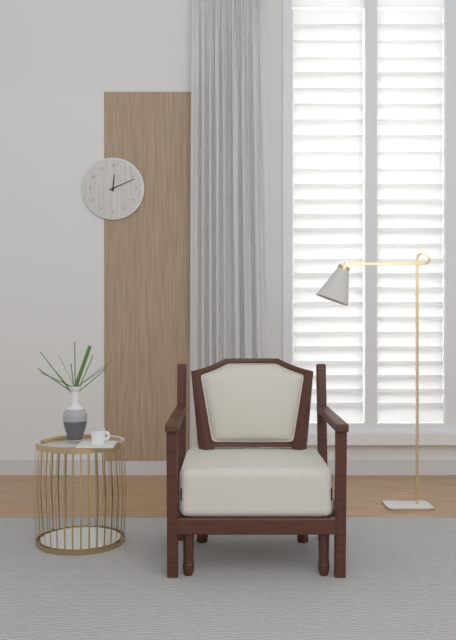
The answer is 12:11
